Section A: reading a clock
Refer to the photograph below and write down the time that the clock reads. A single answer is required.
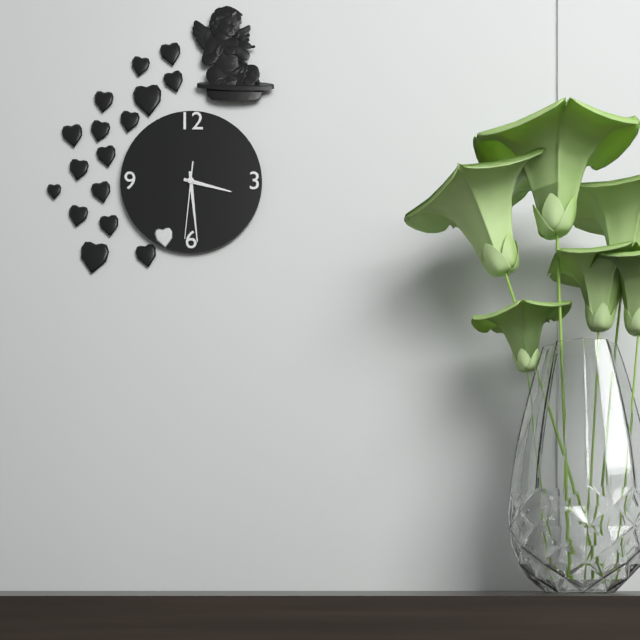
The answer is 3:29:31
